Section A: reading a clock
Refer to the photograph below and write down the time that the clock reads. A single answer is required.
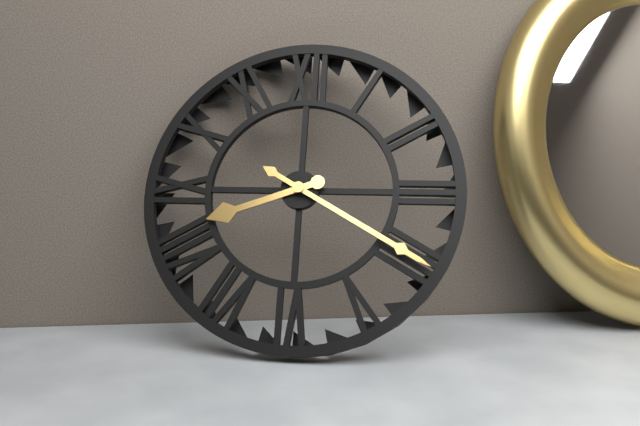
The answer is 8:20
